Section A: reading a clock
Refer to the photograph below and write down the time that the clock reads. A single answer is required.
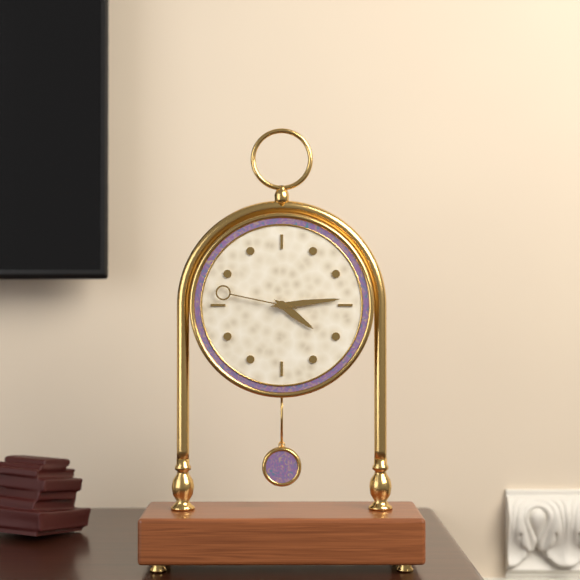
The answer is 4:14:47
